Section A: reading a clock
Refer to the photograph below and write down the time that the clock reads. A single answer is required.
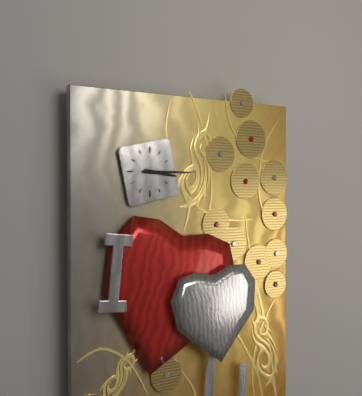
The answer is 3:15
